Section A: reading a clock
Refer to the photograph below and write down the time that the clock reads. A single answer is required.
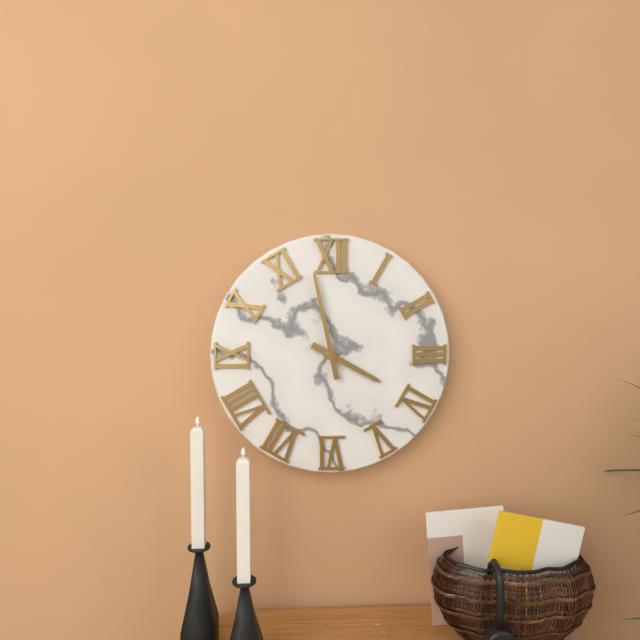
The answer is 3:58
